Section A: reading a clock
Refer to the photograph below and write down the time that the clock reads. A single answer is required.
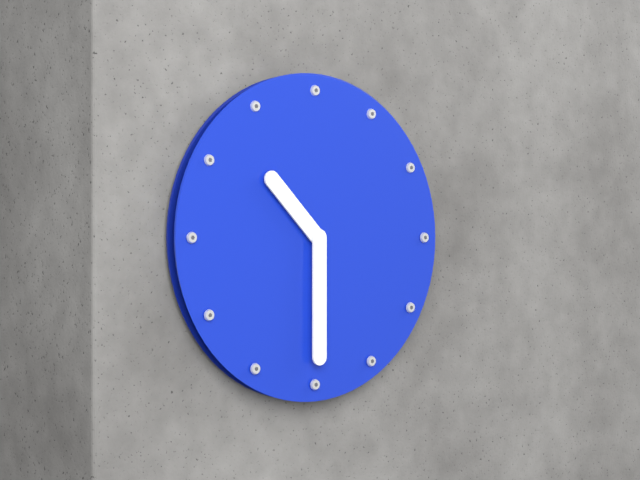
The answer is 10:30
